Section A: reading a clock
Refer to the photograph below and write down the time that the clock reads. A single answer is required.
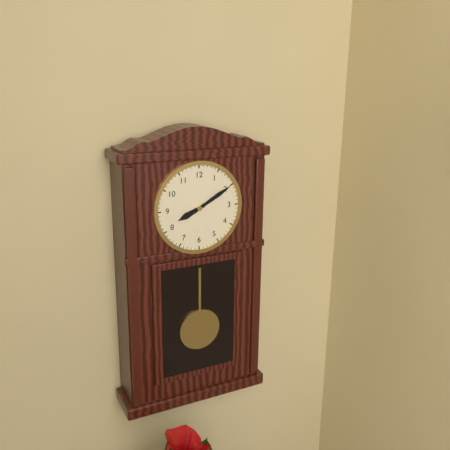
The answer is 8:10
